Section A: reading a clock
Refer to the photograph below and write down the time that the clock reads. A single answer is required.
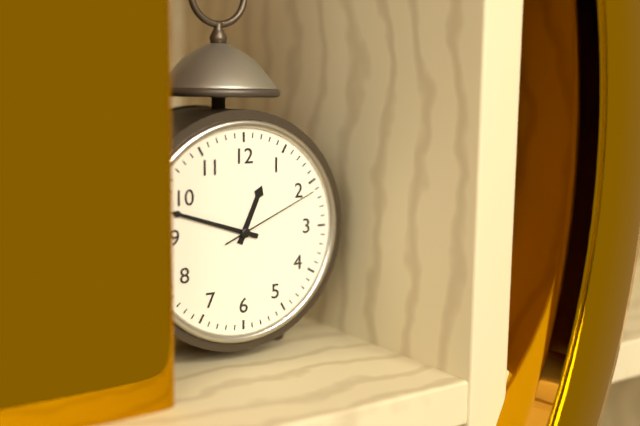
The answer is 12:48:11
